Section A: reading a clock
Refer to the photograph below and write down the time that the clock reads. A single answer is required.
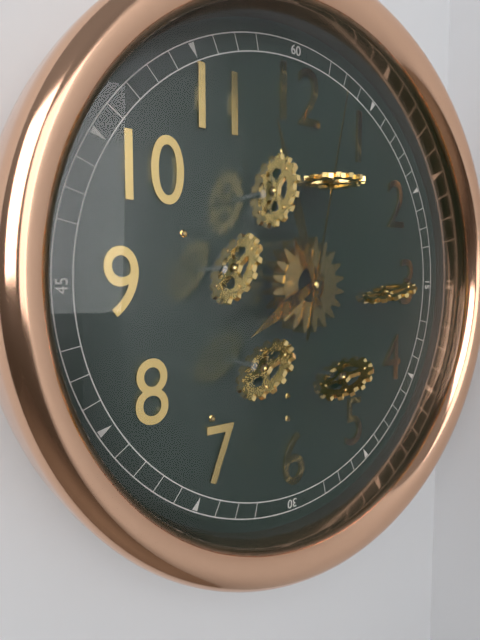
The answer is 7:57:02
